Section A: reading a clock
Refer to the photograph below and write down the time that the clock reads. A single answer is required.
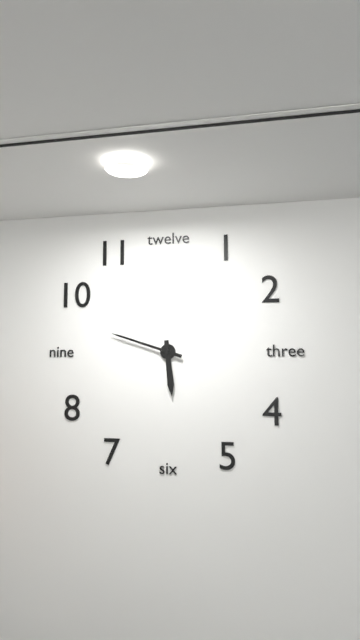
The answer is 5:48
